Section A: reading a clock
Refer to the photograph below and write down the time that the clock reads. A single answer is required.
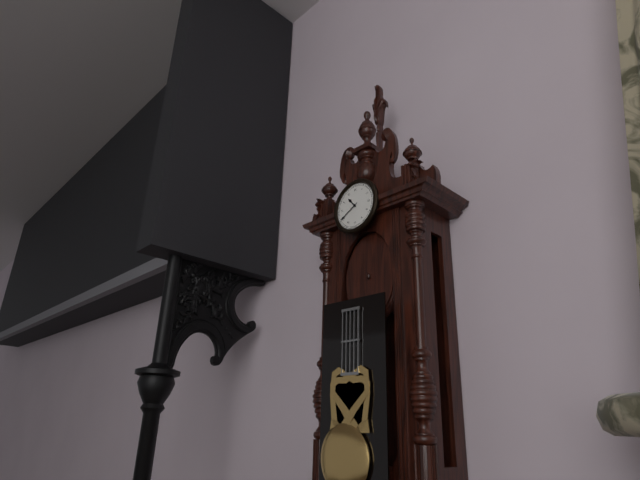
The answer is 10:40
